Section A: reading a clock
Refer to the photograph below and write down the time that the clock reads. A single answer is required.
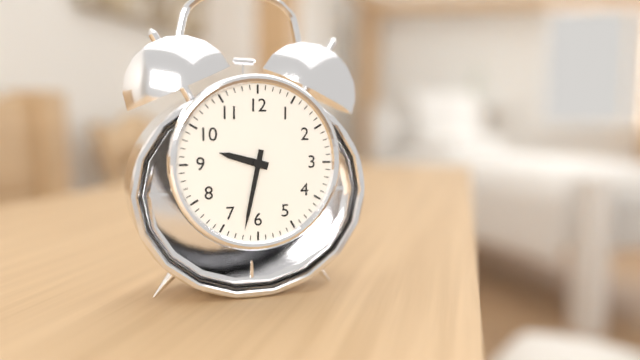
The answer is 9:32
